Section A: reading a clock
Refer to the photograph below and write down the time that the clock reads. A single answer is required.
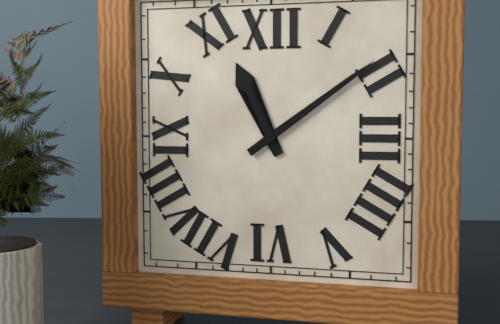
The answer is 11:09
